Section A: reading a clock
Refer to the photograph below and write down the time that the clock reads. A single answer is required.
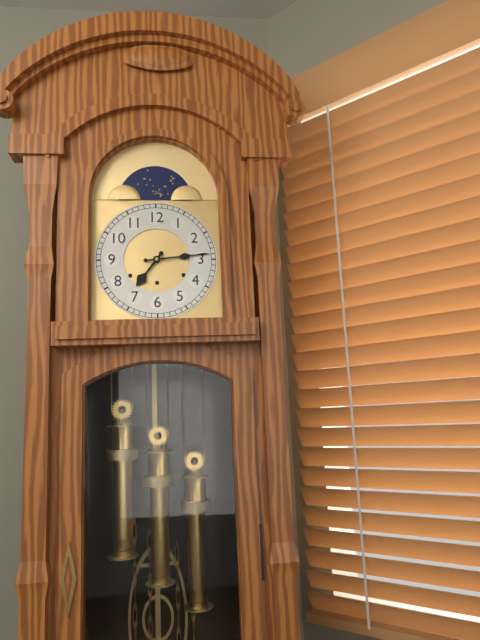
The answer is 7:14
